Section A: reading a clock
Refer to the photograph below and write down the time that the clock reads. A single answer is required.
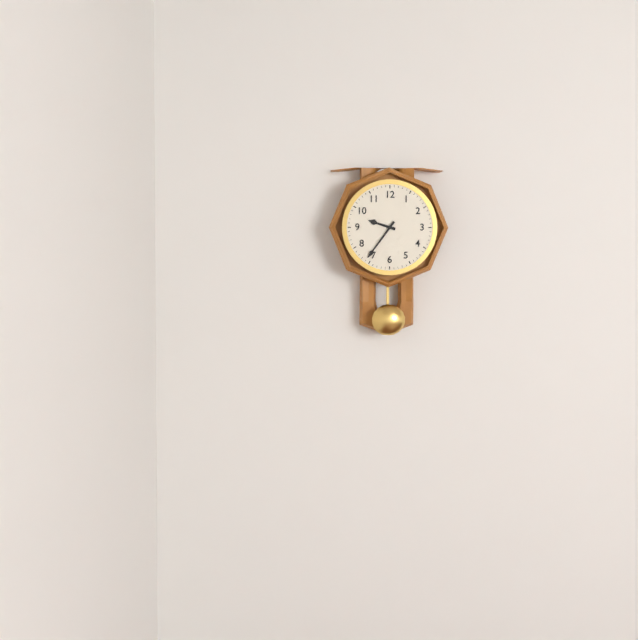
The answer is 9:36
